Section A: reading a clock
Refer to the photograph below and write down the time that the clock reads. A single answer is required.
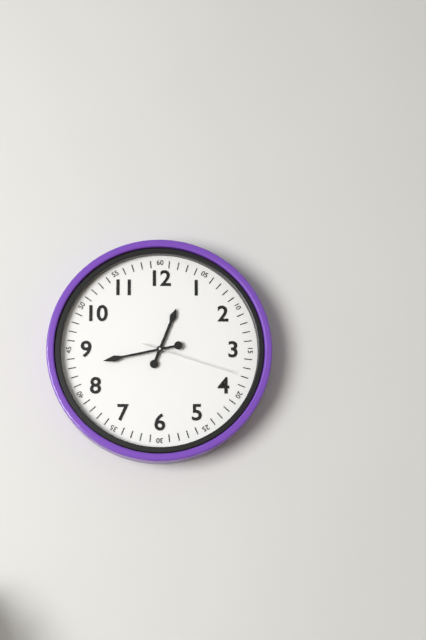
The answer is 12:43:18
